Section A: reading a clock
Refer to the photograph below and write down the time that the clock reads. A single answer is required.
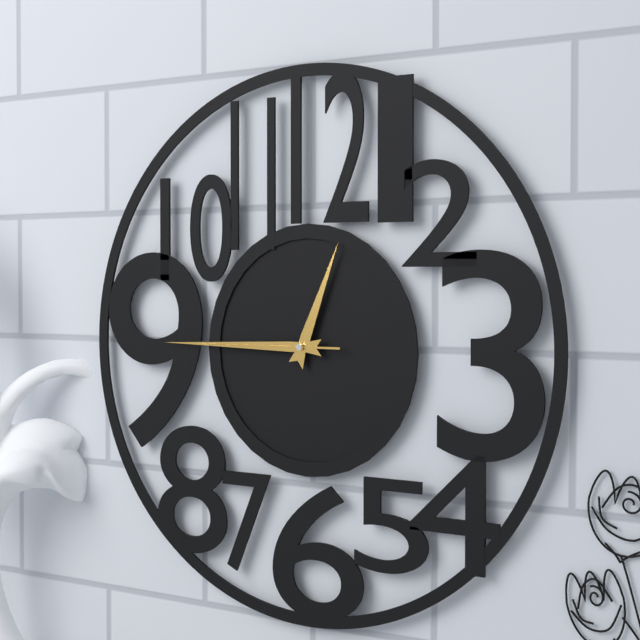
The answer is 12:45:45
